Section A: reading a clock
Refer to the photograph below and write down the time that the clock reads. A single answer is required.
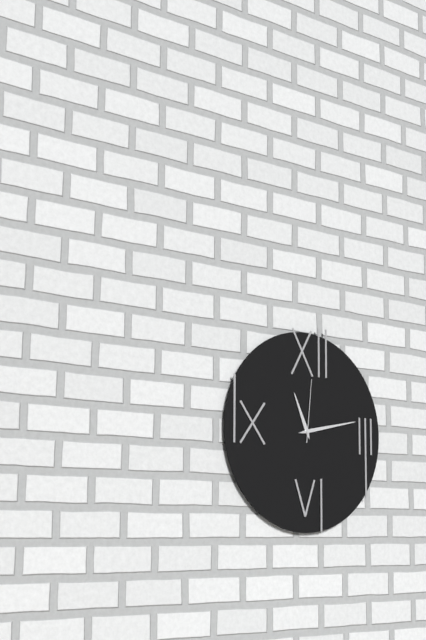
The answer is 11:13:01
